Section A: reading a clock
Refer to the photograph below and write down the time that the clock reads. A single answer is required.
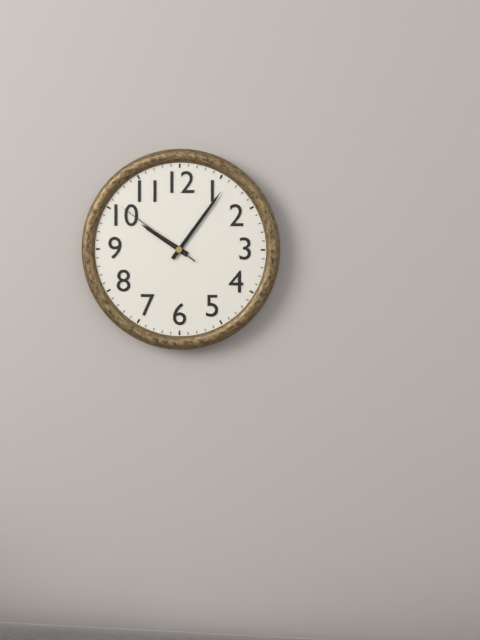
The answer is 10:06:51
